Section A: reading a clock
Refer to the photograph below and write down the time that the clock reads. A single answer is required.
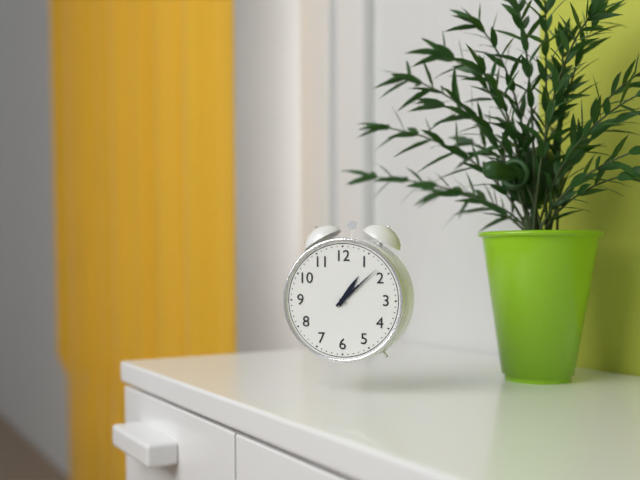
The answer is 1:08
